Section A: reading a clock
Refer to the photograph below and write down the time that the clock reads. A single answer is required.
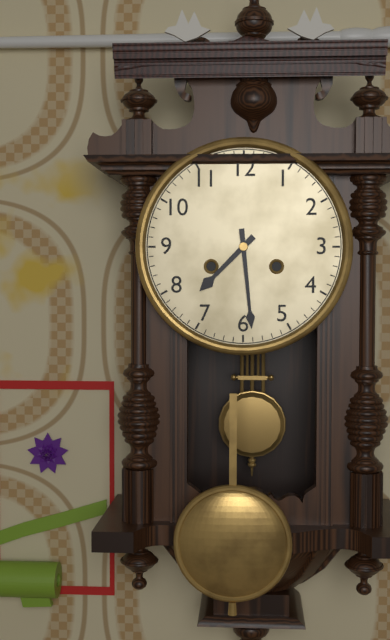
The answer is 7:29
